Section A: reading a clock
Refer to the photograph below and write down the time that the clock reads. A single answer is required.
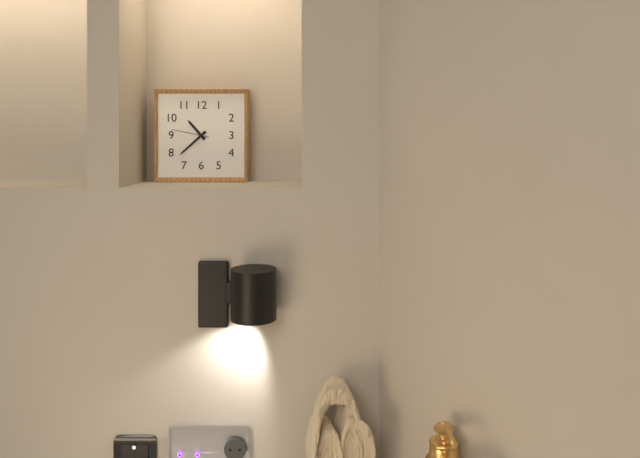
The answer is 10:38
